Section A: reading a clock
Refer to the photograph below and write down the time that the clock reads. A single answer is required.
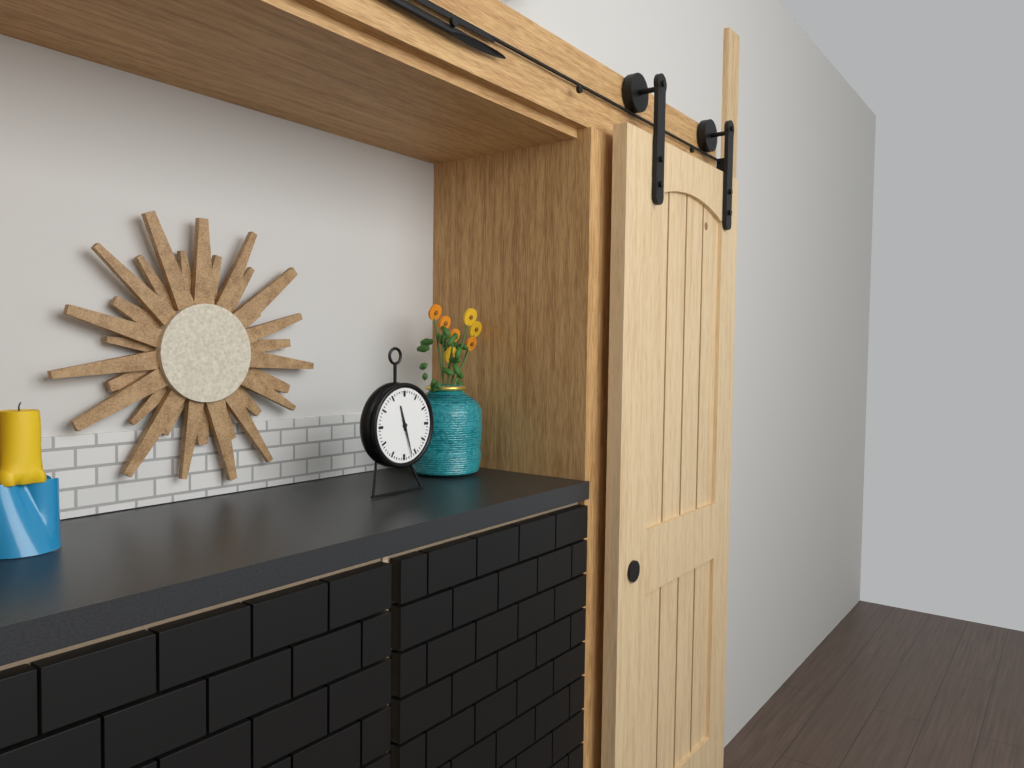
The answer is 11:27
